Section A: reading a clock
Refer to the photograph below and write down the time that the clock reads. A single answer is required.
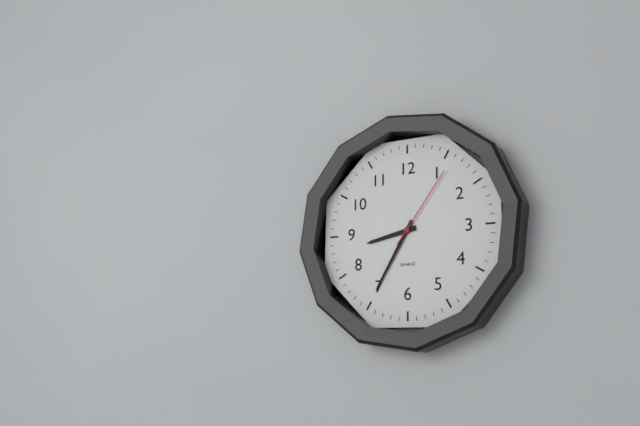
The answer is 8:35:06
